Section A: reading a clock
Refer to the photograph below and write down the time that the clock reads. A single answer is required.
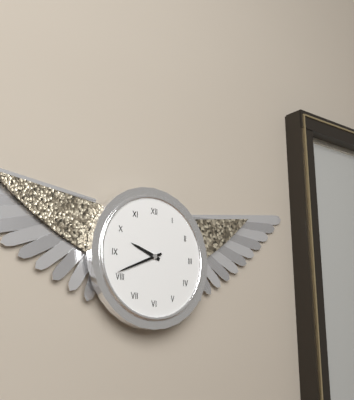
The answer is 9:41
